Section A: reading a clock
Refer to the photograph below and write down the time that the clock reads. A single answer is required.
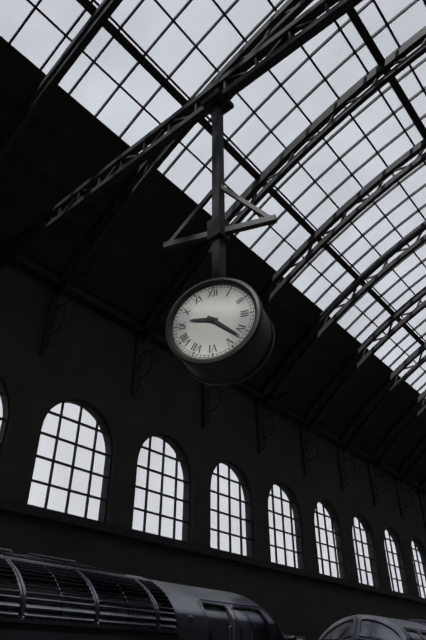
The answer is 9:22
